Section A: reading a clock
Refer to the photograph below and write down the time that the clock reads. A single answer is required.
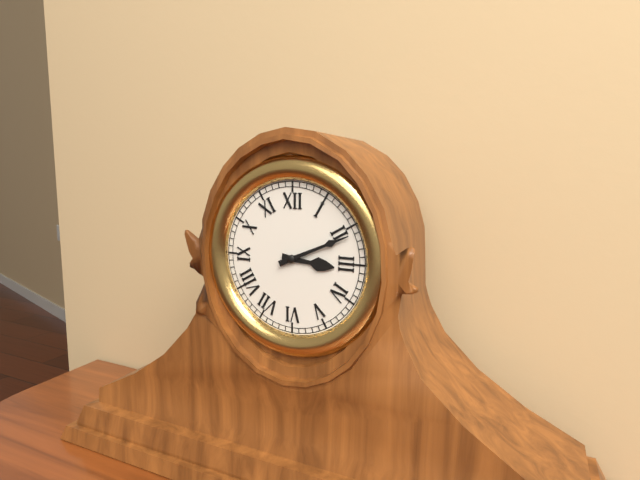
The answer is 3:11
